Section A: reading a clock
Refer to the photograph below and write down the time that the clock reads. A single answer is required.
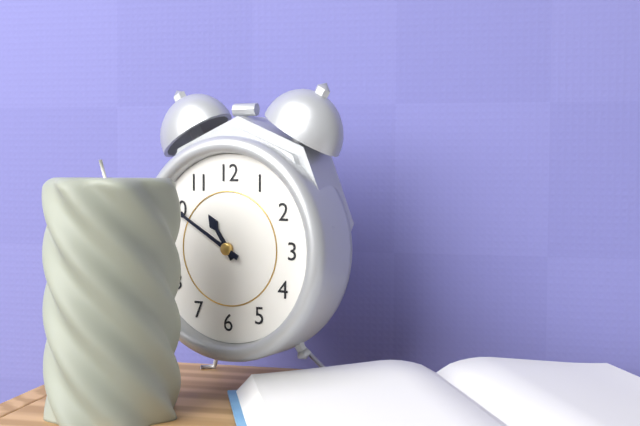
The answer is 10:50
